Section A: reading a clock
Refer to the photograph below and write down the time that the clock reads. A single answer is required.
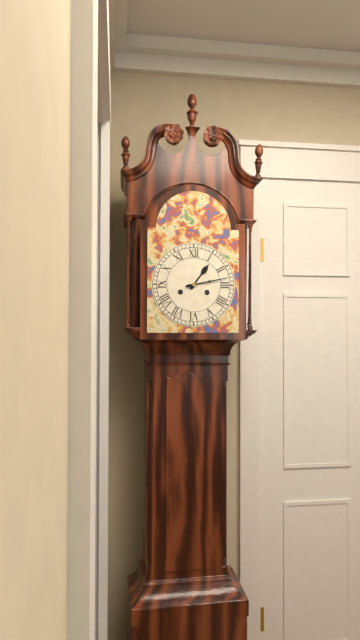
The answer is 1:13
